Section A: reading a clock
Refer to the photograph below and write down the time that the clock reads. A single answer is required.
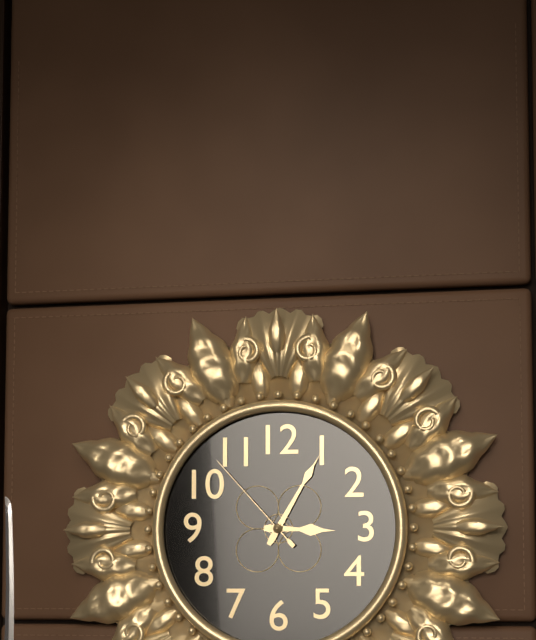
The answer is 3:05:53
